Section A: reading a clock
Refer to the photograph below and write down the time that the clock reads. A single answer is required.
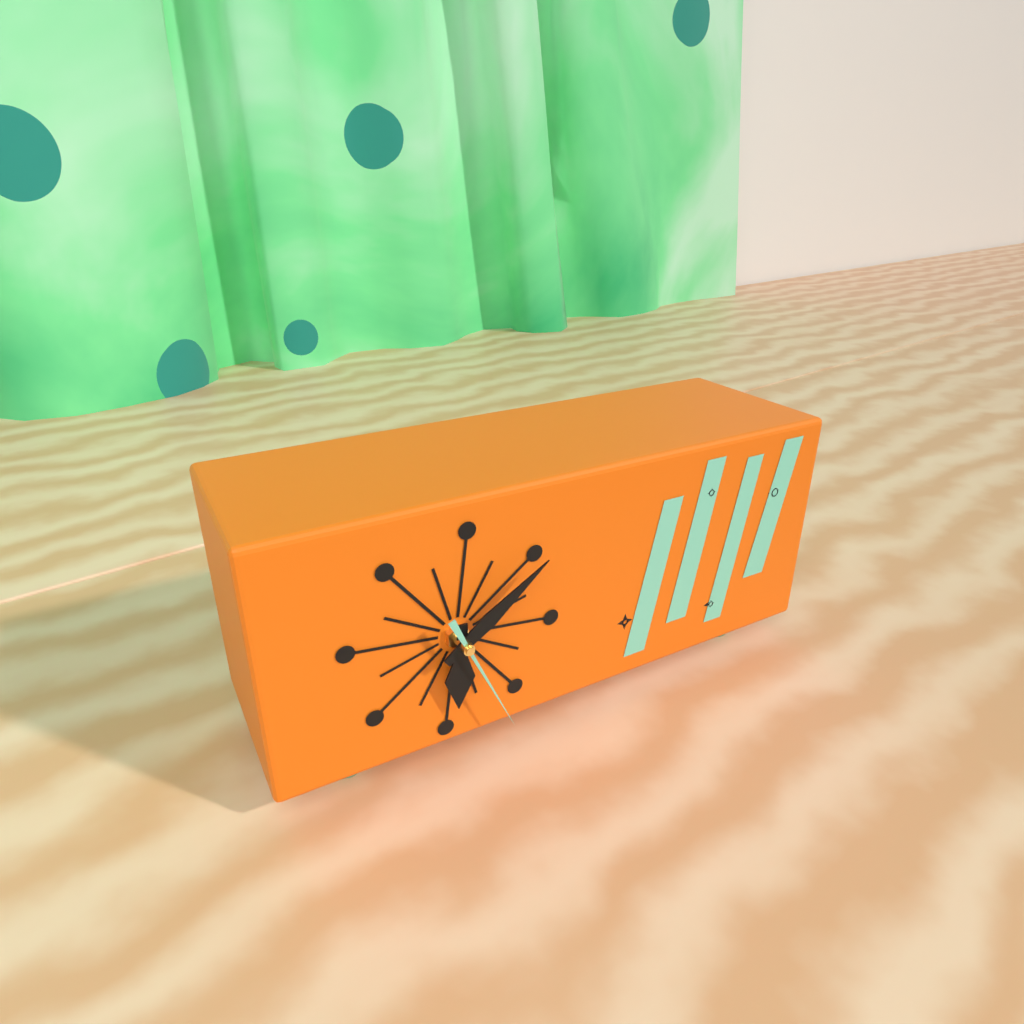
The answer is 6:09:26
